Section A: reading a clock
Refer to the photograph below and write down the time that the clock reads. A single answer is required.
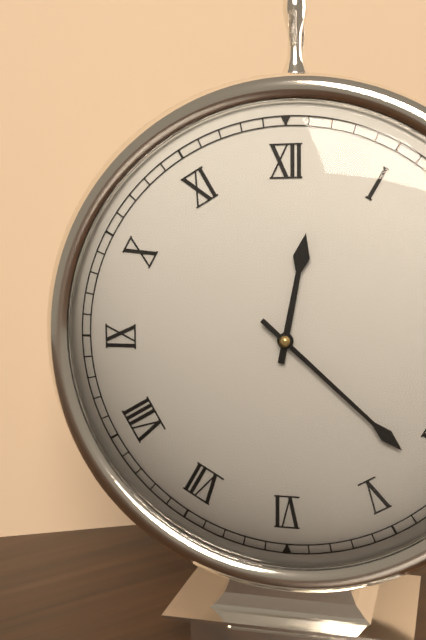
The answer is 12:22
